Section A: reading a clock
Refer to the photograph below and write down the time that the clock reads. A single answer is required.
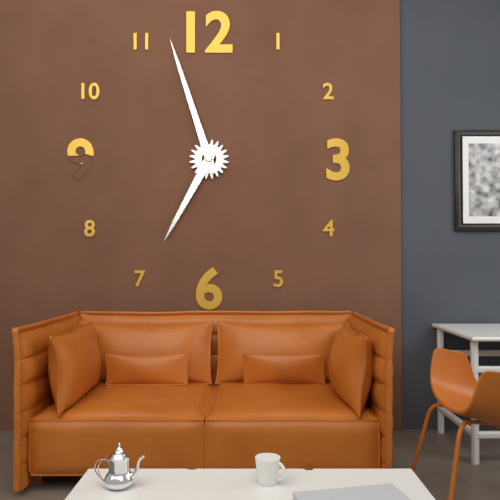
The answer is 6:57
